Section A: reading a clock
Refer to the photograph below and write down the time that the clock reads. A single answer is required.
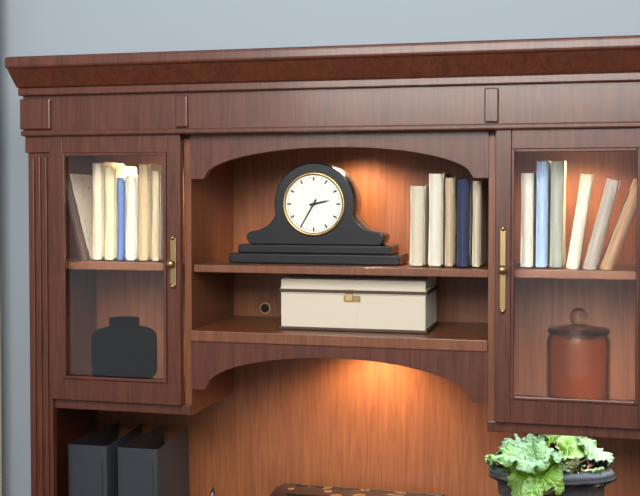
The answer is 2:35
